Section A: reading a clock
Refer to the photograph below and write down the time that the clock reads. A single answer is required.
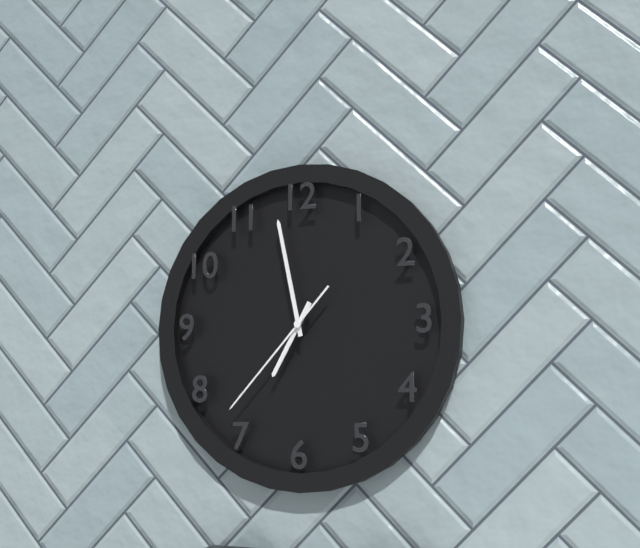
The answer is 6:58:37
